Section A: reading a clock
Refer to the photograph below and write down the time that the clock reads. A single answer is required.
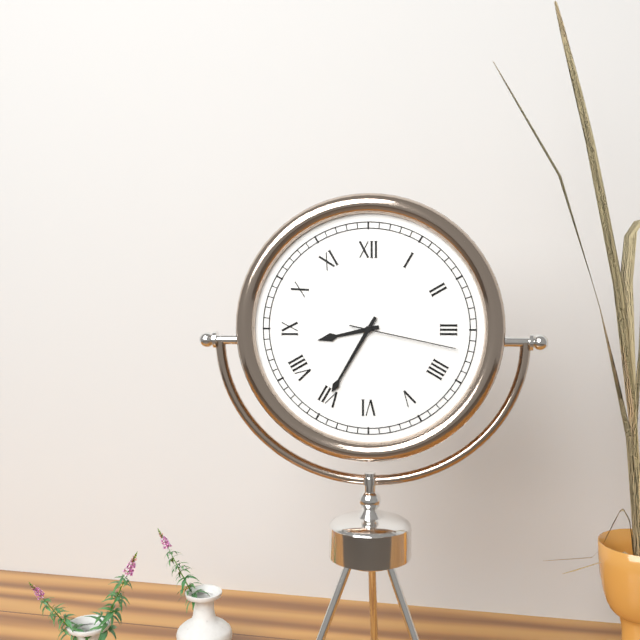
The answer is 8:35:17
